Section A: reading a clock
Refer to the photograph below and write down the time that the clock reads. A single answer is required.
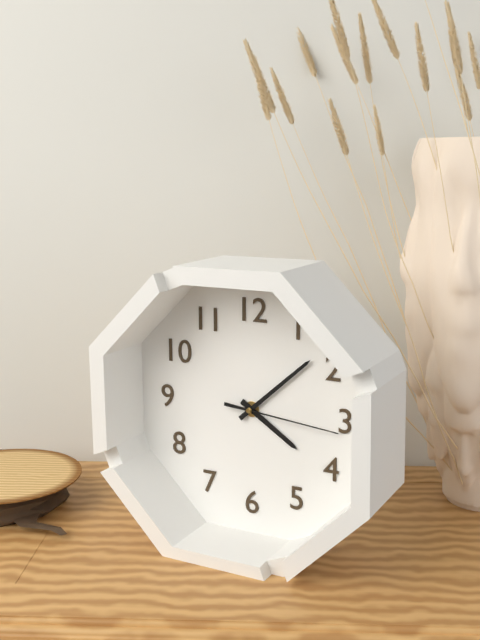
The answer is 4:08:16
